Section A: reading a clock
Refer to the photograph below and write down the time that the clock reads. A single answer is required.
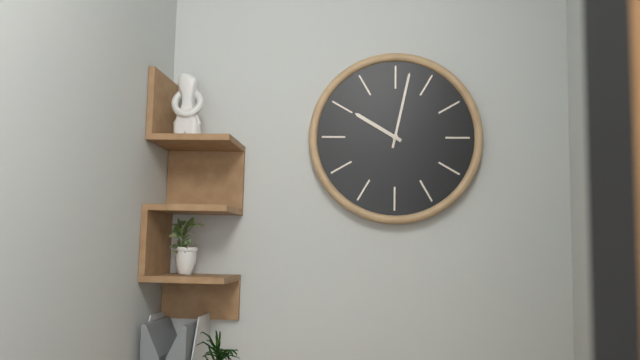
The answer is 10:02
